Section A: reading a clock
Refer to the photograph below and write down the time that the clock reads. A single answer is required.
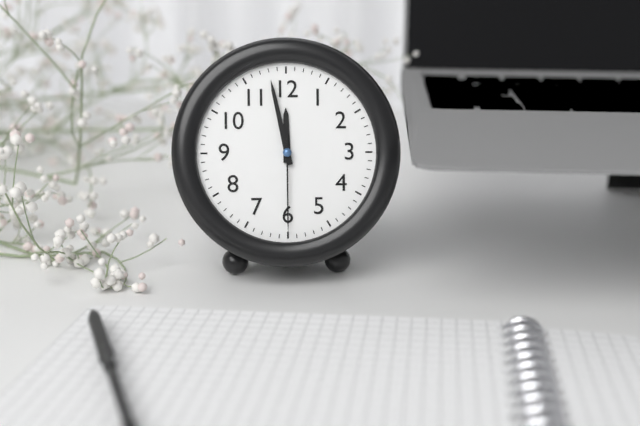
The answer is 11:58:30
